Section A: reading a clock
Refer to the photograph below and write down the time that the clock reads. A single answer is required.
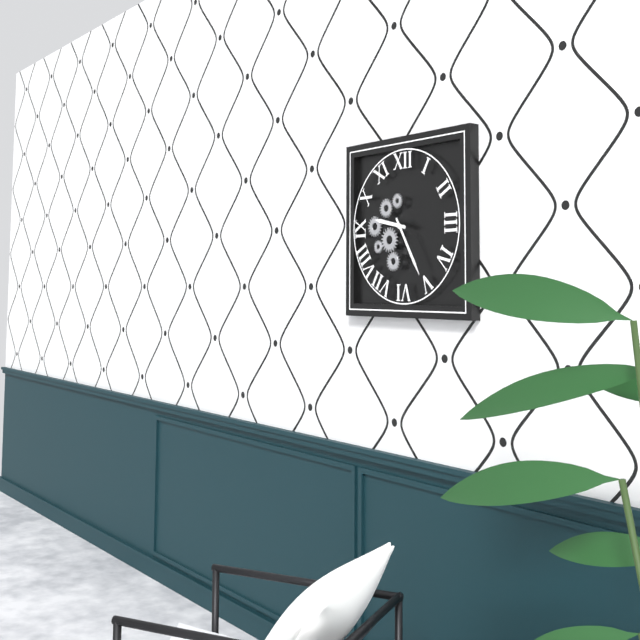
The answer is 9:25
